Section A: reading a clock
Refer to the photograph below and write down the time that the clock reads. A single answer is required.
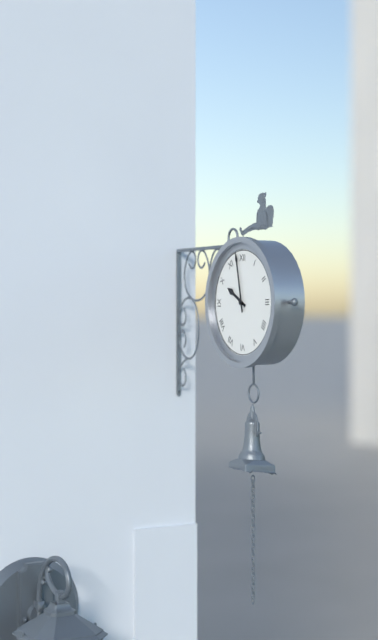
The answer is 9:58
